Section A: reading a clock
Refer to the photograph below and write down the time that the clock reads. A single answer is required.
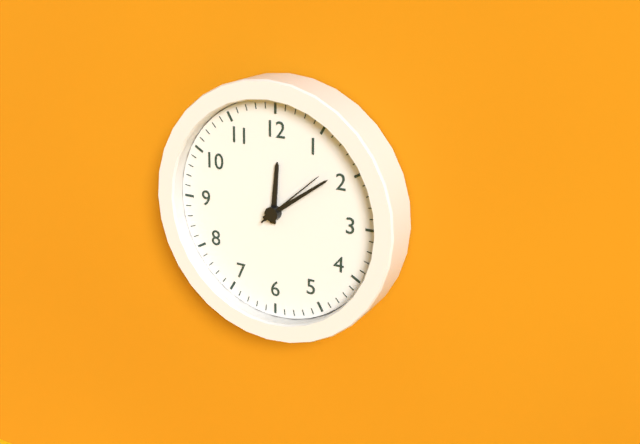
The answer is 12:09:08
